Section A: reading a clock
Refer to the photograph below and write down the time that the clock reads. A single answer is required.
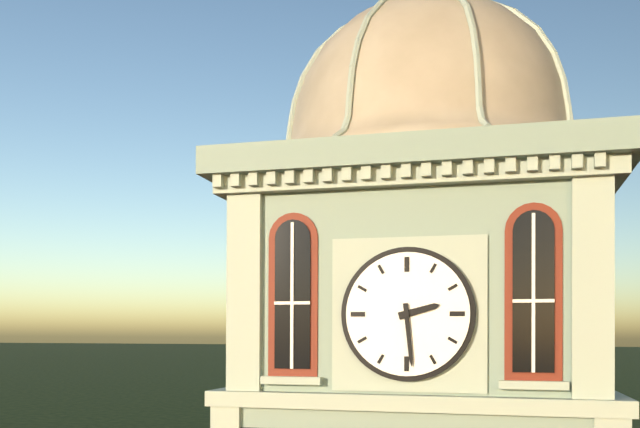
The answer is 2:29
